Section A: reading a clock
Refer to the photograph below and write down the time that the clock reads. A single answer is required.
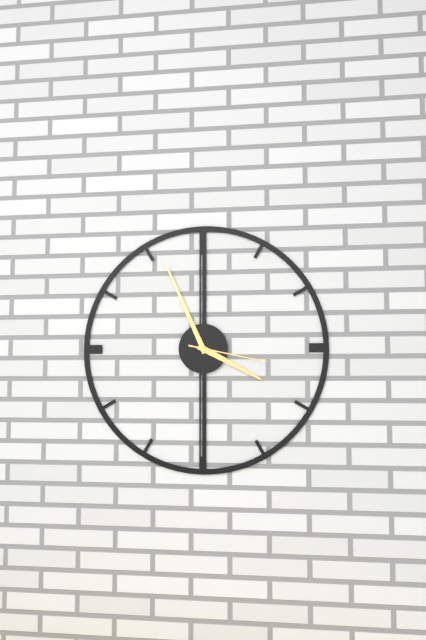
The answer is 3:56:17
